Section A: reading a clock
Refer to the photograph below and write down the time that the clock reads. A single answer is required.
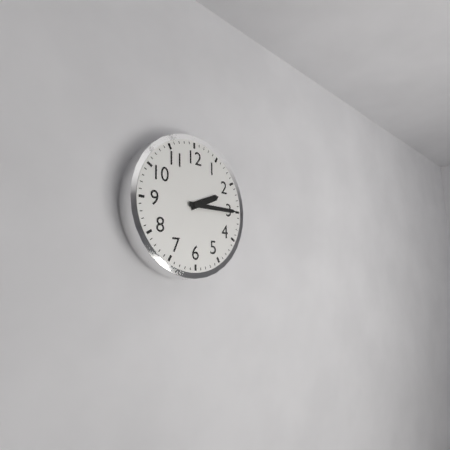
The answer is 2:15
